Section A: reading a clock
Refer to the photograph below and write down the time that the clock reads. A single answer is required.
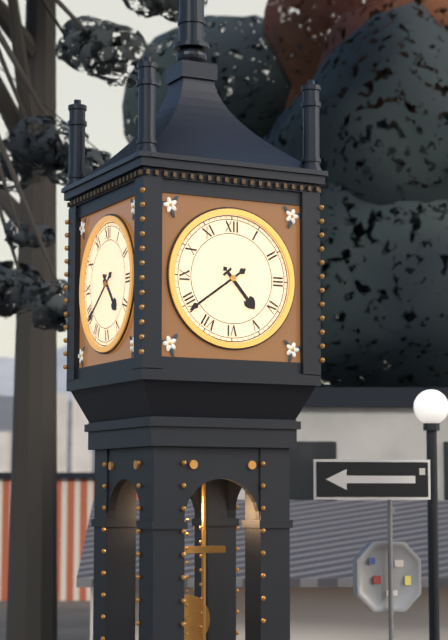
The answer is 4:39
